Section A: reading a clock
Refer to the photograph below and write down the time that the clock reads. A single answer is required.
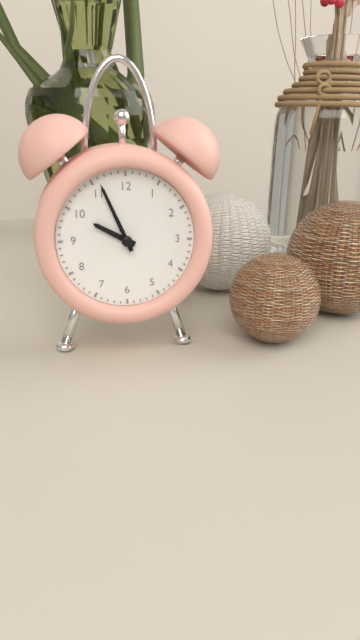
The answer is 9:56
